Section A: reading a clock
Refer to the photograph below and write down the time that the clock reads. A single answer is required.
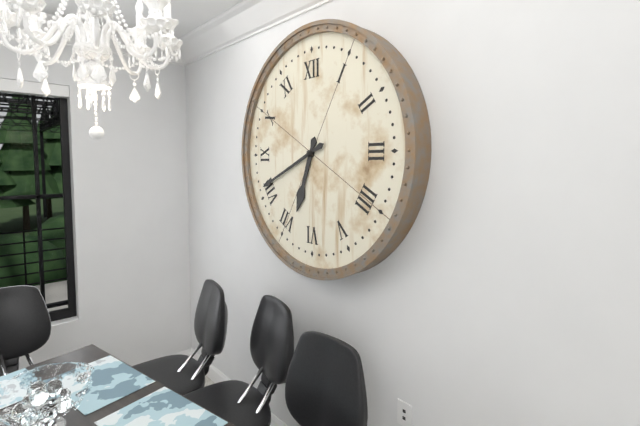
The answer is 6:41
